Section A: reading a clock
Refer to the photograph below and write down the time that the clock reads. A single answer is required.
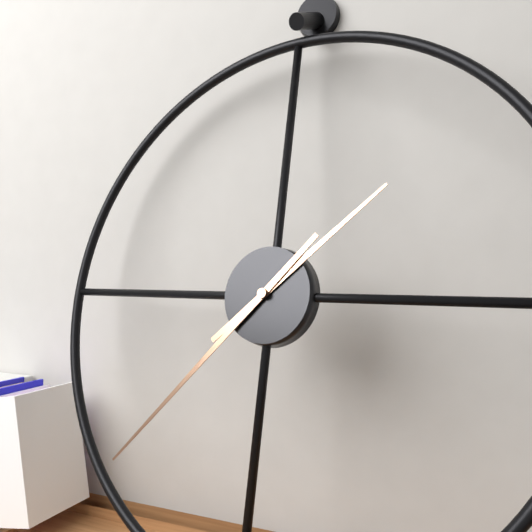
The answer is 1:37
